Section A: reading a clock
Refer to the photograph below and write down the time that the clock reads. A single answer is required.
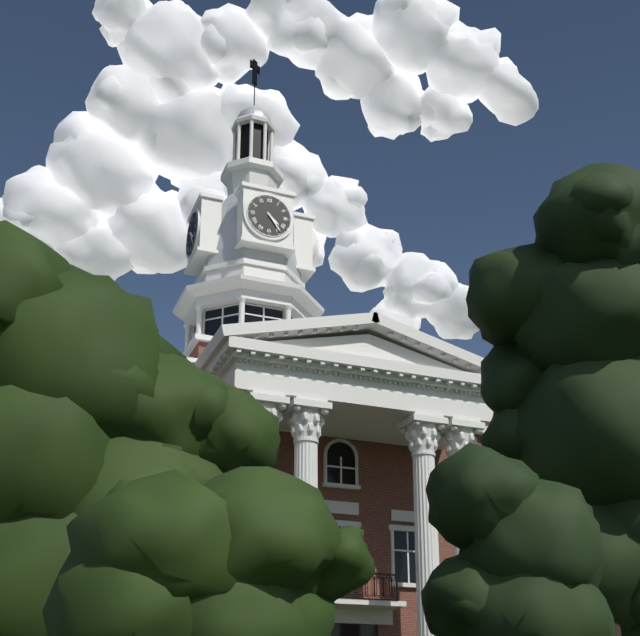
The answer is 4:24
